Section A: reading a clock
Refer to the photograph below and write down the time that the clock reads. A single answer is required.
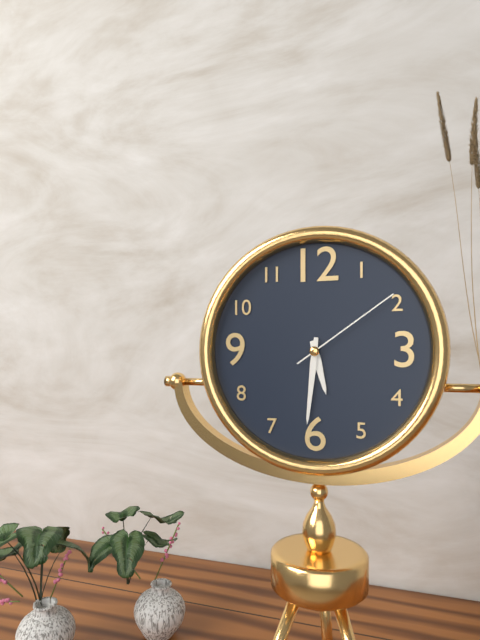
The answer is 5:31:09
